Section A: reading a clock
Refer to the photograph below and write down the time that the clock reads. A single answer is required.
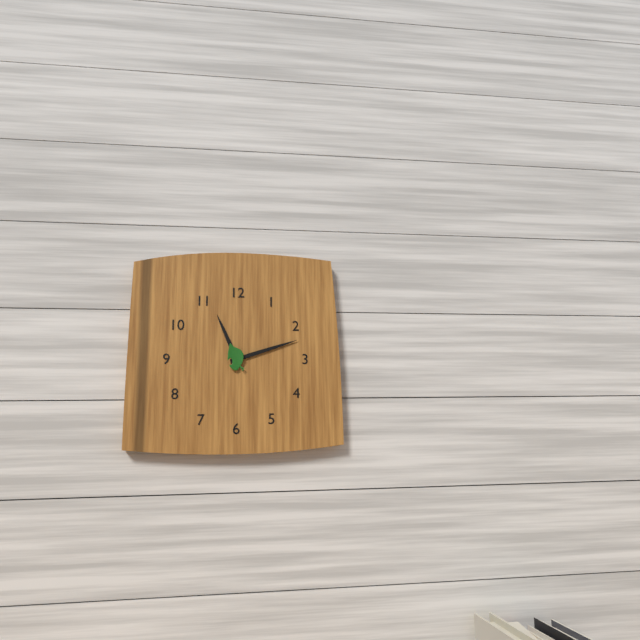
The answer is 11:12
